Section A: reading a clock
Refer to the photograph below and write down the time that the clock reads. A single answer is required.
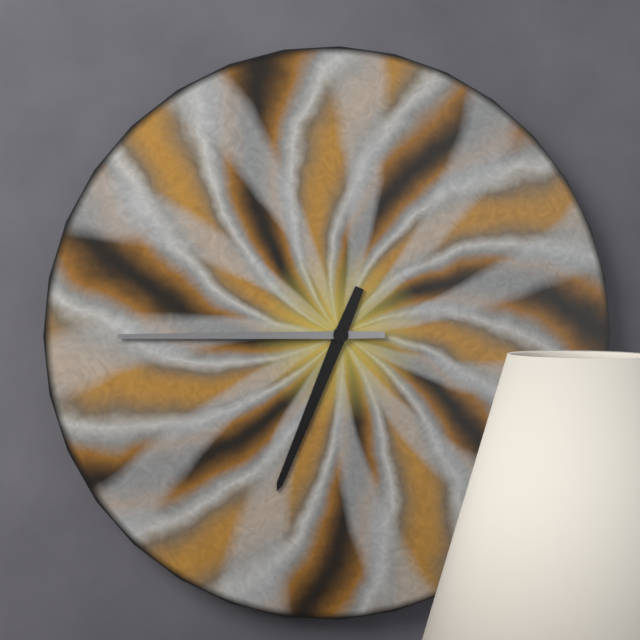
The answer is 6:45
